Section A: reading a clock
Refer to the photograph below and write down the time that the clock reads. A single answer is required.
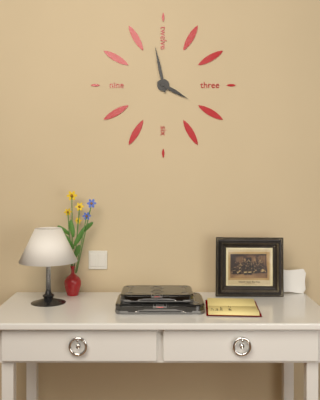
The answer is 3:58
